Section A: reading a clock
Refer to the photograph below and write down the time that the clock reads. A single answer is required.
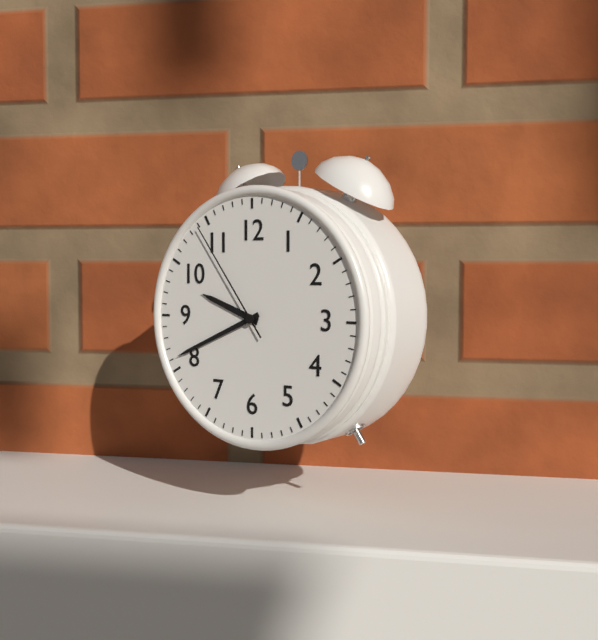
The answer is 9:41:54
